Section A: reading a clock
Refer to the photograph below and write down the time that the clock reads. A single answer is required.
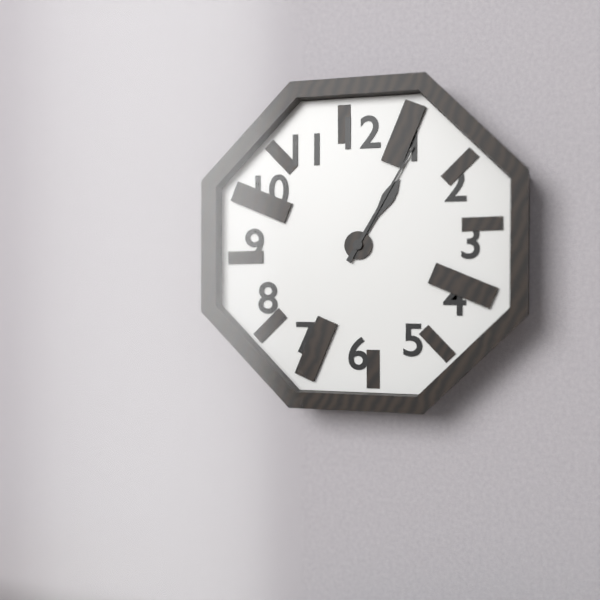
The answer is 1:05
